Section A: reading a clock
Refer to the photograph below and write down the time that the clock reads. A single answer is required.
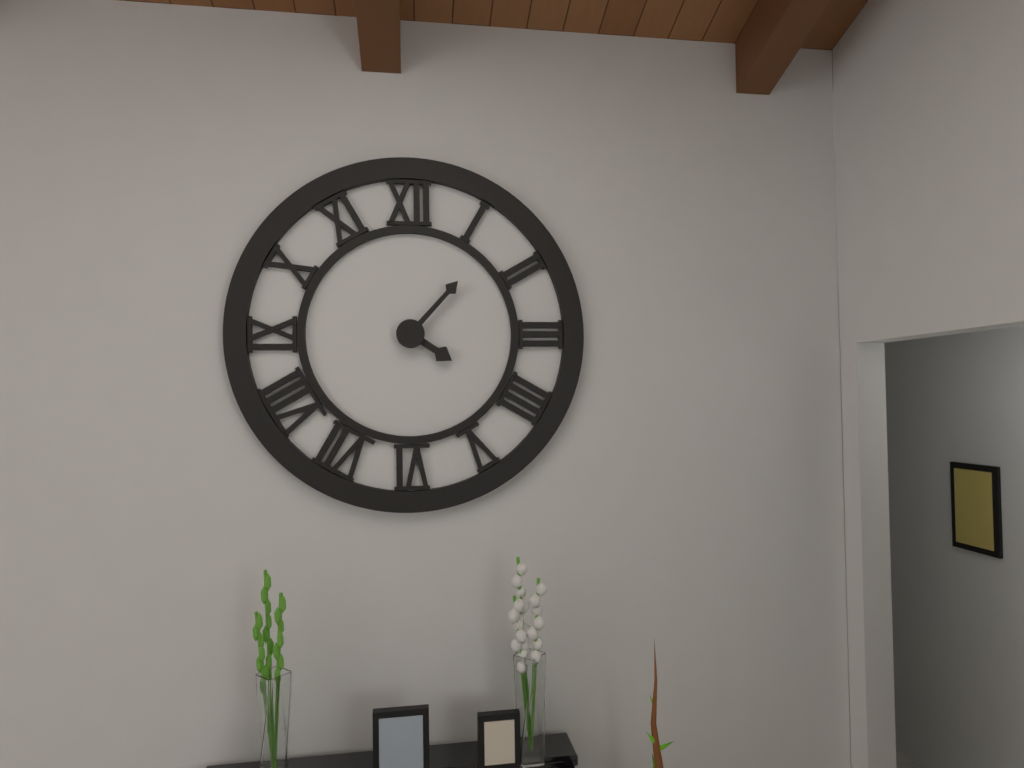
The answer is 4:07
